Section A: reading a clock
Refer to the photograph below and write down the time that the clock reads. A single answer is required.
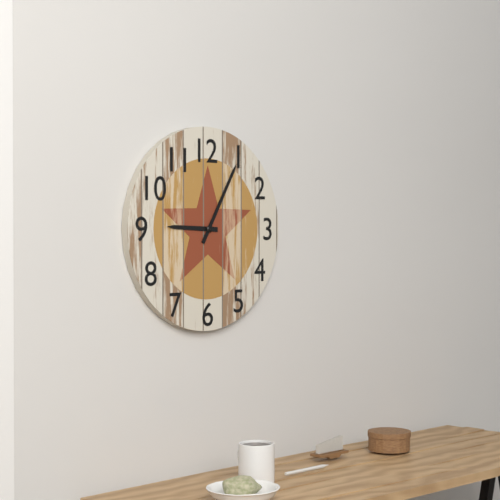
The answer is 9:05
